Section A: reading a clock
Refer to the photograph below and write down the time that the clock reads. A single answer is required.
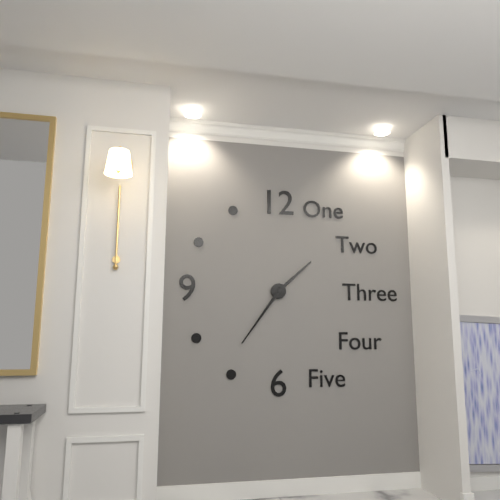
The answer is 1:36
